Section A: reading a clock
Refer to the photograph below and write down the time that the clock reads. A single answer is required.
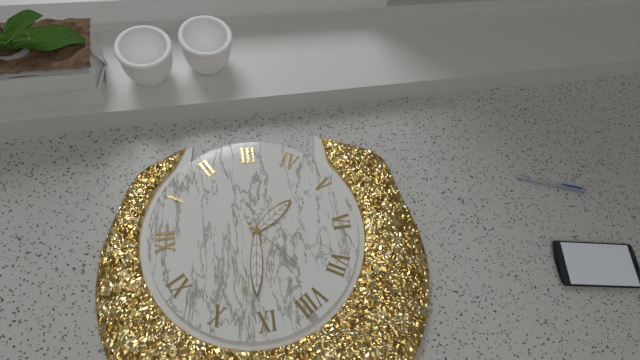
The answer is 4:46:38
